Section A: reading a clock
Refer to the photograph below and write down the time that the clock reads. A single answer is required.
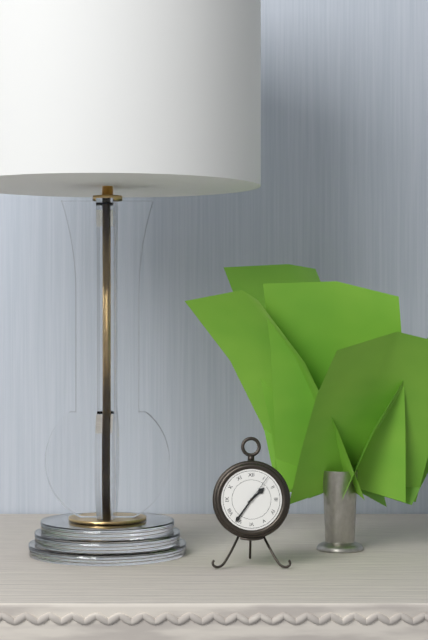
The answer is 1:36
